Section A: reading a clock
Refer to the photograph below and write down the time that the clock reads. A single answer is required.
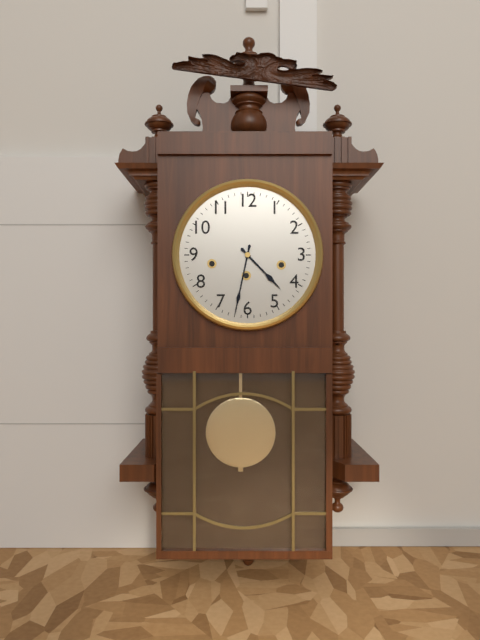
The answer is 4:32
